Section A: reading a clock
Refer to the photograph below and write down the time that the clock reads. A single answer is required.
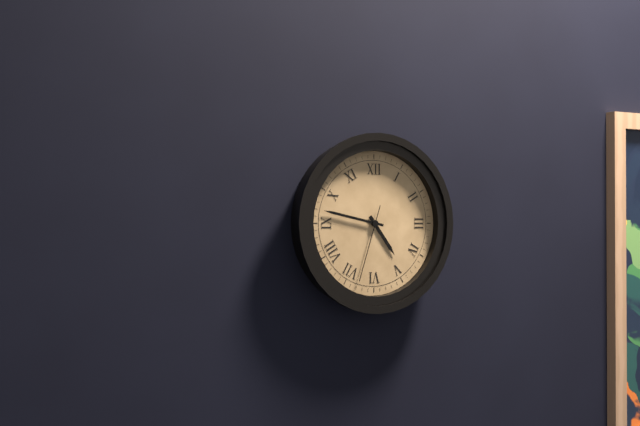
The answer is 4:47:33
